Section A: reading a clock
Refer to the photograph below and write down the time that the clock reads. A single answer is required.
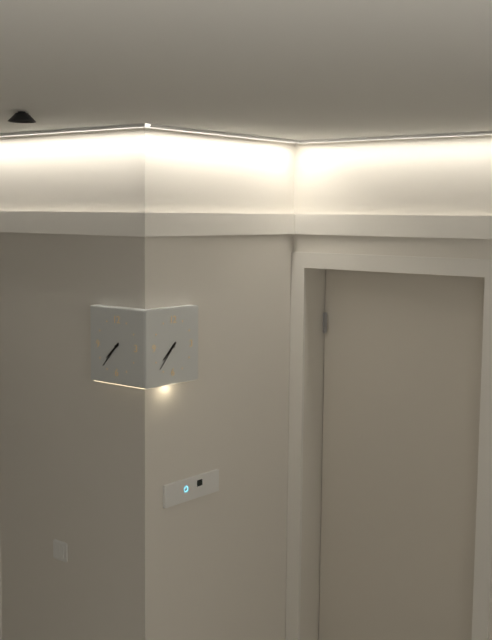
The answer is 7:37
